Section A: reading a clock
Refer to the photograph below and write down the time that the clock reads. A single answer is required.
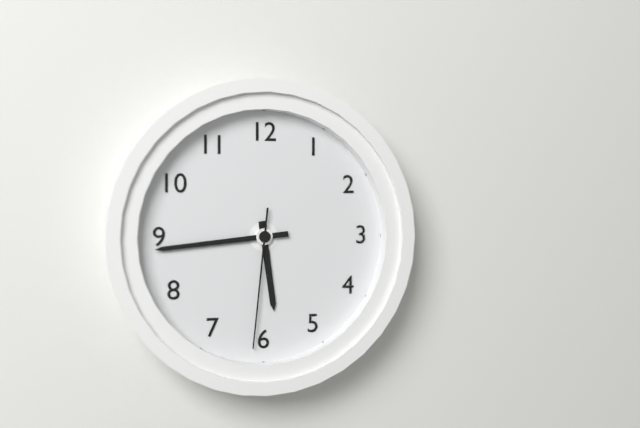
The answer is 5:44:31
